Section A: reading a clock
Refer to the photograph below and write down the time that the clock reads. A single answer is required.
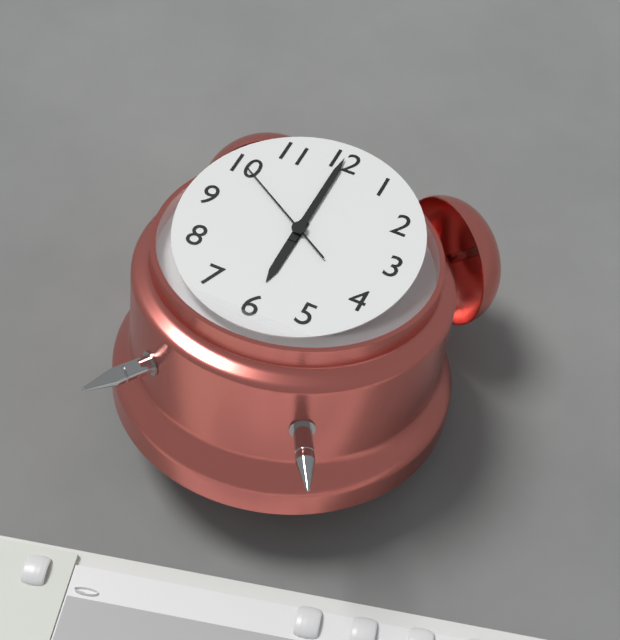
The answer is 6:00:50
